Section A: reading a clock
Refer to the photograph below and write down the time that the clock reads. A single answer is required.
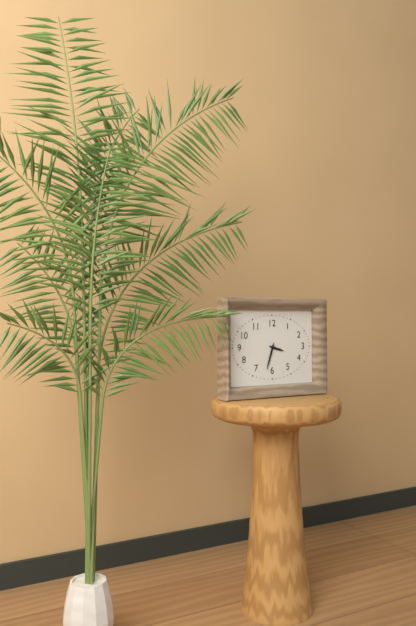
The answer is 3:33
